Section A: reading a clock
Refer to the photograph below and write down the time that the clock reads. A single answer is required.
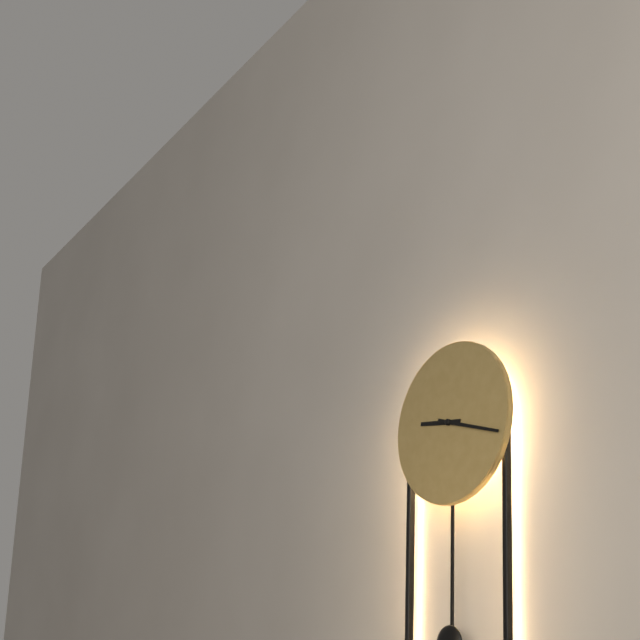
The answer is 9:18
